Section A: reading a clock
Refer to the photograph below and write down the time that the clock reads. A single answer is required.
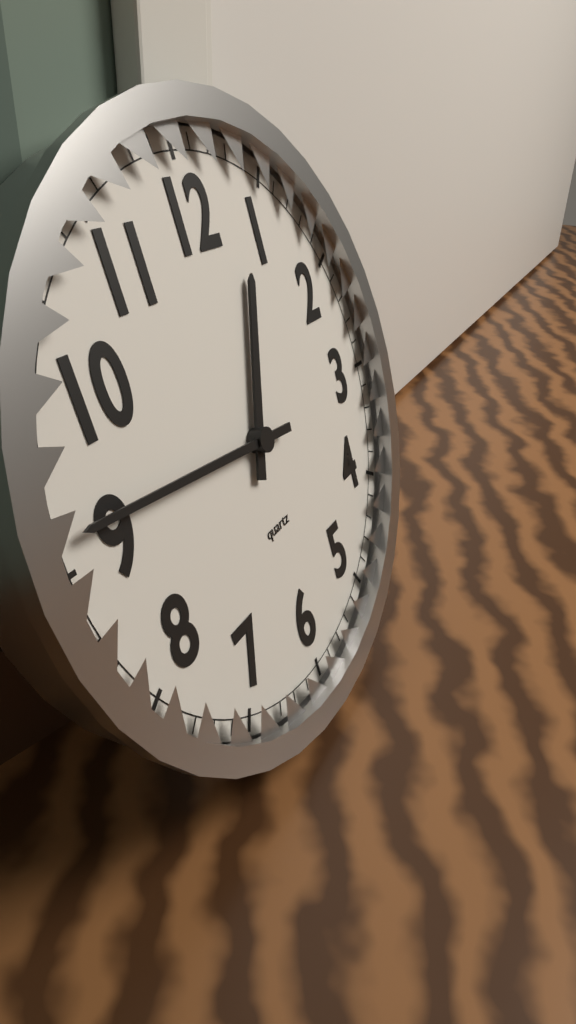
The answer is 12:46
